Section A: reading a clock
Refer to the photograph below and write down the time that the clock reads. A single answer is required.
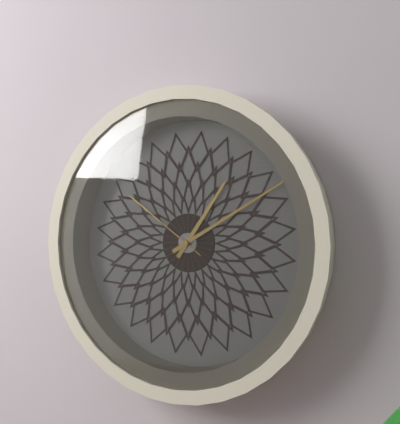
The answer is 1:10:51
